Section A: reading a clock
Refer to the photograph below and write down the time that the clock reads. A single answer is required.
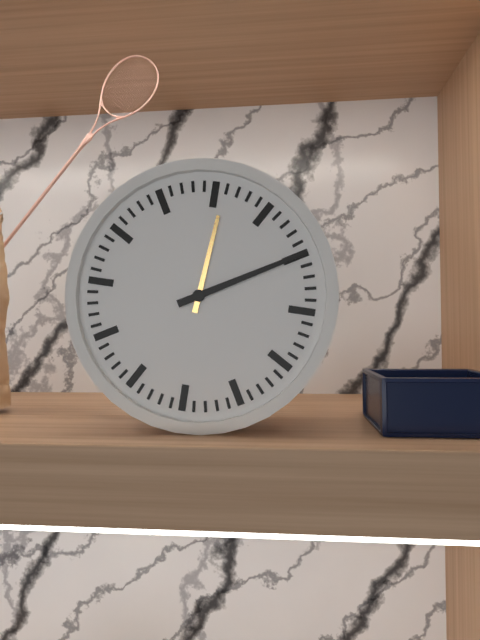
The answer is 12:10
